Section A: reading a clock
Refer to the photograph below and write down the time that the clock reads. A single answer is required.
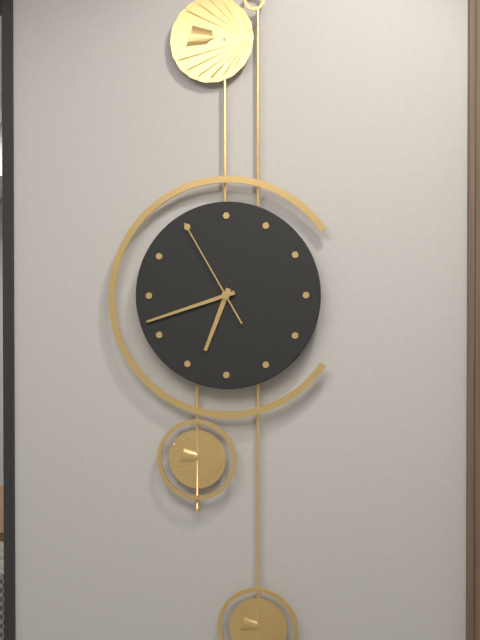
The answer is 6:42:55
